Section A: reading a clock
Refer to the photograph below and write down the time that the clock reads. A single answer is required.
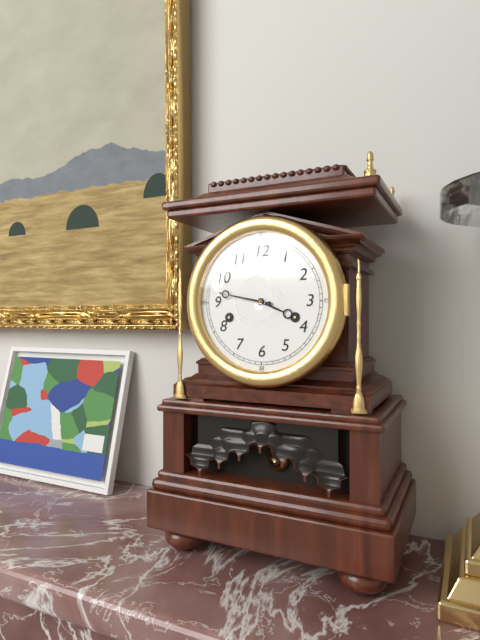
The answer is 3:47
